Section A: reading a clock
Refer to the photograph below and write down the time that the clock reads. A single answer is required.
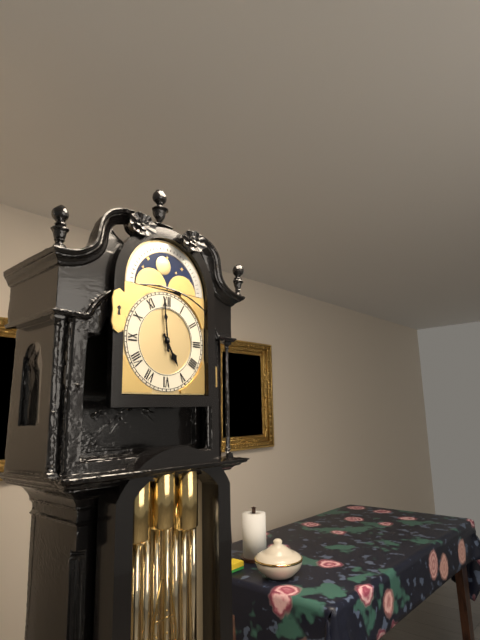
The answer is 4:59
